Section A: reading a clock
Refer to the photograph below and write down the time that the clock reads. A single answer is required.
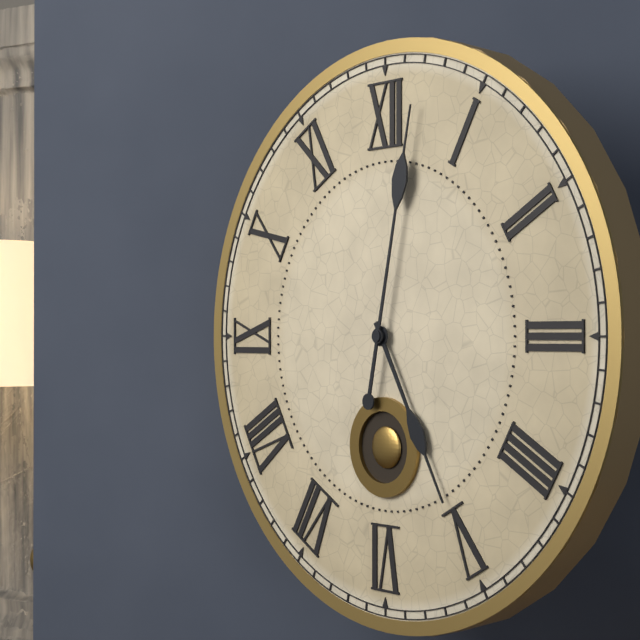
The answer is 5:02
